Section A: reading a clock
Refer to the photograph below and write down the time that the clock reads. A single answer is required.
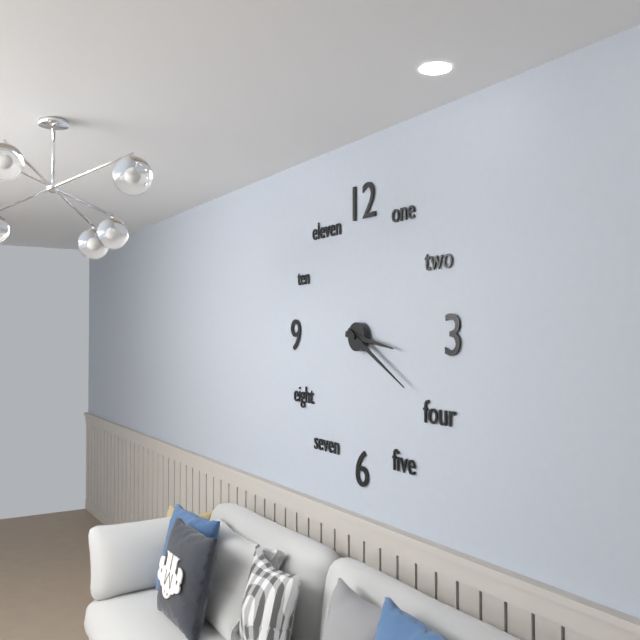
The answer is 3:20
